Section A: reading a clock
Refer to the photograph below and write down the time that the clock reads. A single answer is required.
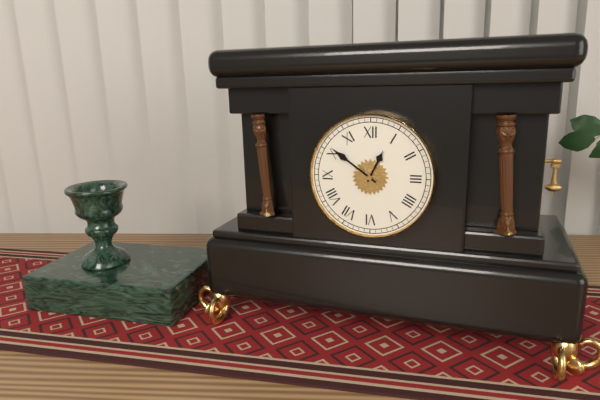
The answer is 12:51
